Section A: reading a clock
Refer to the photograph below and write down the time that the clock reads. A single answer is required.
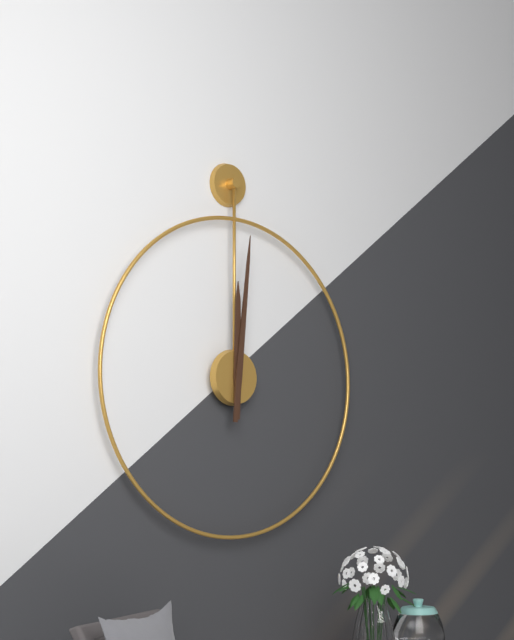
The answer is 12:01
